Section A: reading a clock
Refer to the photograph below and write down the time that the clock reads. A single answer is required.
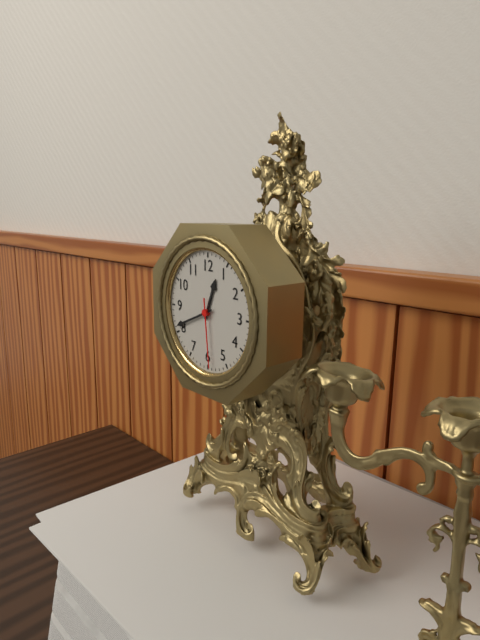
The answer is 12:41:29
